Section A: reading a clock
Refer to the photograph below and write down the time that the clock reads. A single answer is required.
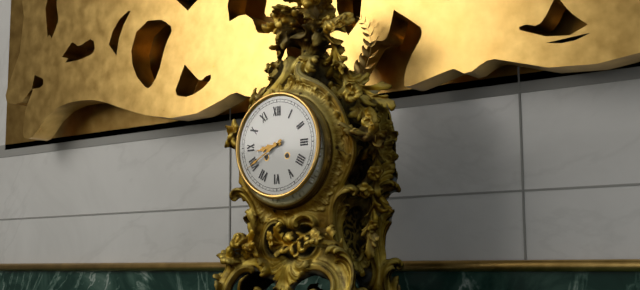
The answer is 8:40
